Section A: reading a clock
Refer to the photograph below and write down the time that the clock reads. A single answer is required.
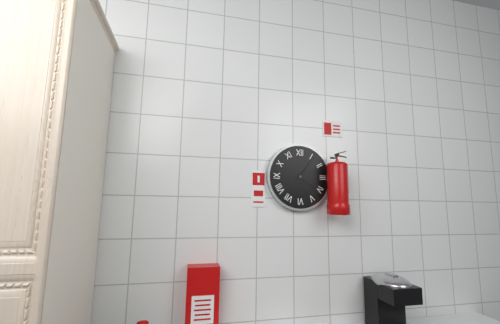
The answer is 4:06
